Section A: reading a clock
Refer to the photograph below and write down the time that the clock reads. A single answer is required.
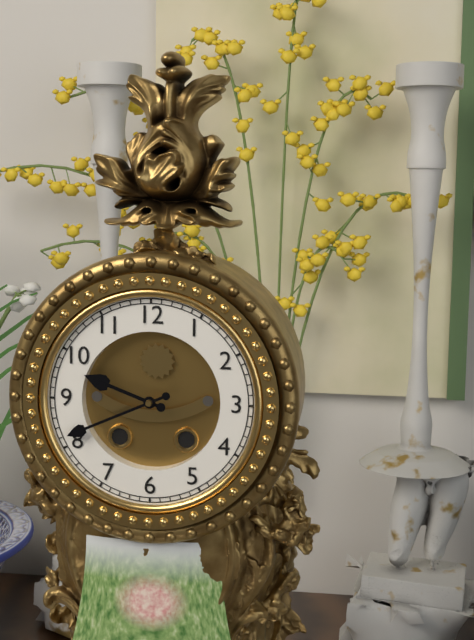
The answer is 9:41
